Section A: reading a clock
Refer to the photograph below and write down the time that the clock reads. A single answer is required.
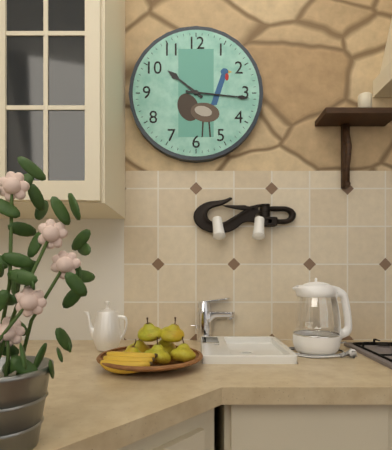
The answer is 10:16
